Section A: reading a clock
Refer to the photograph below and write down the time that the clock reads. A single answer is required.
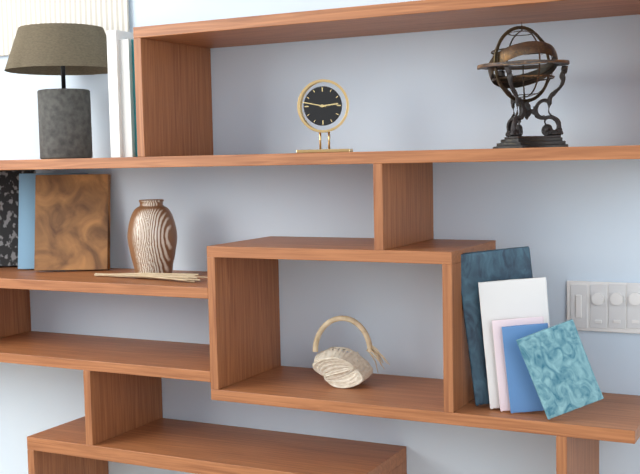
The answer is 2:47
